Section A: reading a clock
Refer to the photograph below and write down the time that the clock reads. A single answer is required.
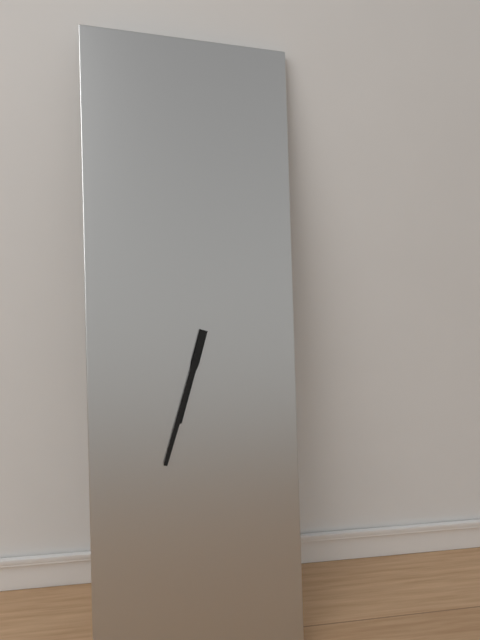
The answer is 6:33
